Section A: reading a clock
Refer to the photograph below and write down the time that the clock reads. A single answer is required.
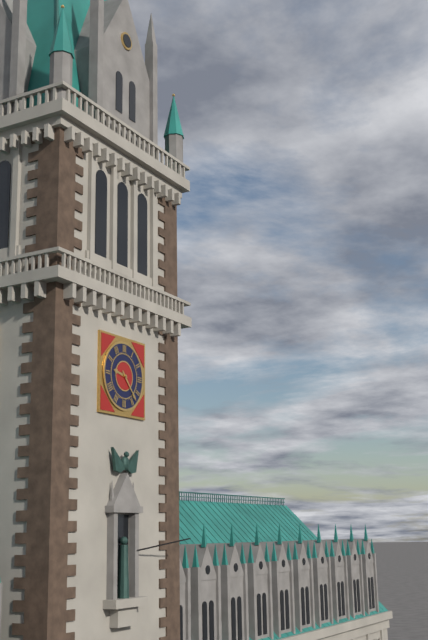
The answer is 9:23
